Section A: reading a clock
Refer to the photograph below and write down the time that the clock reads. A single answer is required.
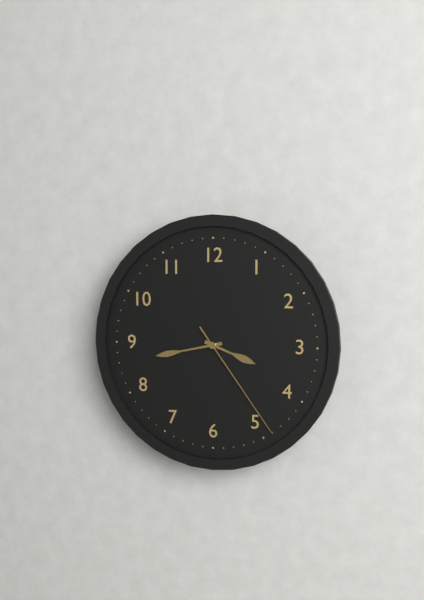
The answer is 3:43:24
